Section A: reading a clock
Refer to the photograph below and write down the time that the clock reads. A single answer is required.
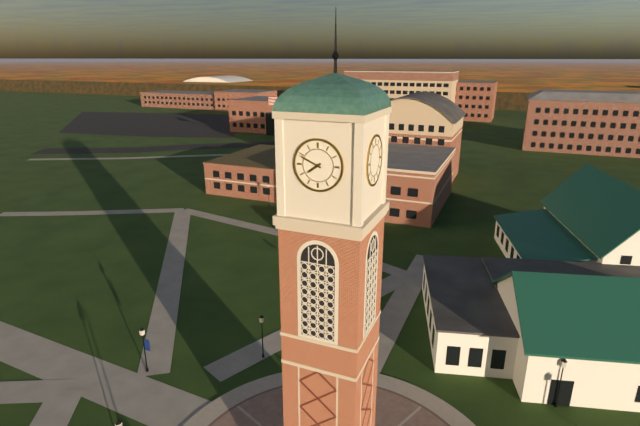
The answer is 7:49
